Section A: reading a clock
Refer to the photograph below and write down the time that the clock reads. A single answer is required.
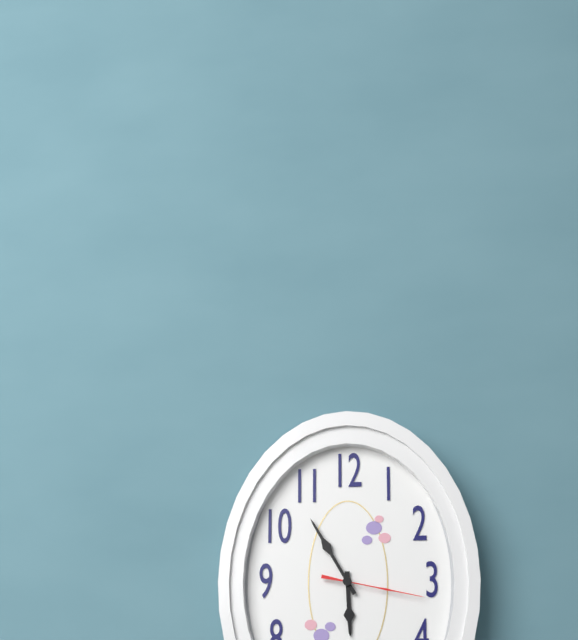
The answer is 5:55:17
